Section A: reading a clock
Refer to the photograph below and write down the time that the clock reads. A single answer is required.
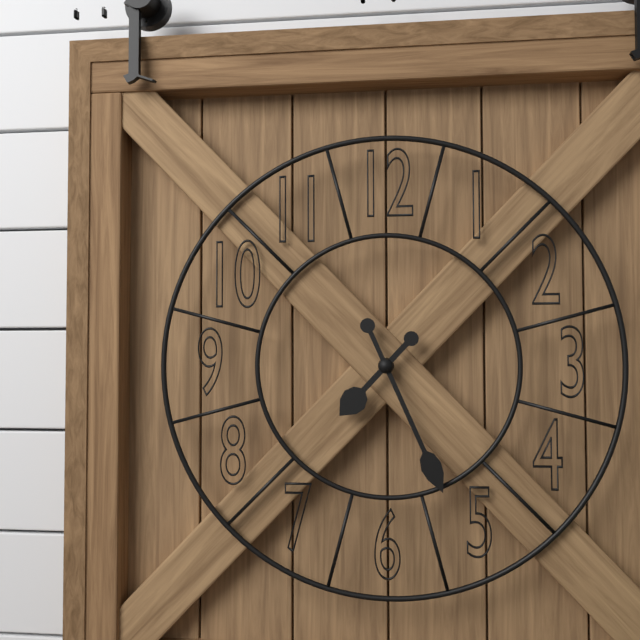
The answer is 7:26
